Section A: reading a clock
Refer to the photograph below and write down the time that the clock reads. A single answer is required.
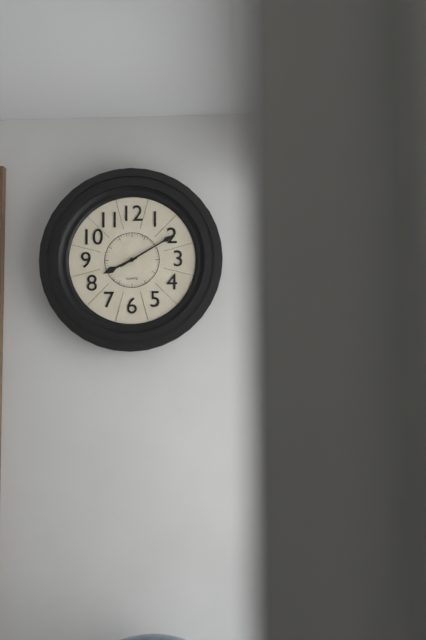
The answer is 8:10
